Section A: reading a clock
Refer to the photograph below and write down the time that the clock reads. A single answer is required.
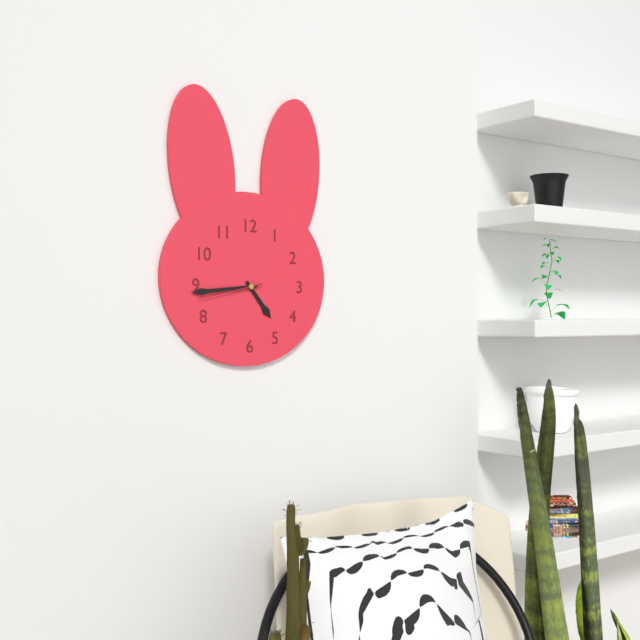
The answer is 4:44:43
